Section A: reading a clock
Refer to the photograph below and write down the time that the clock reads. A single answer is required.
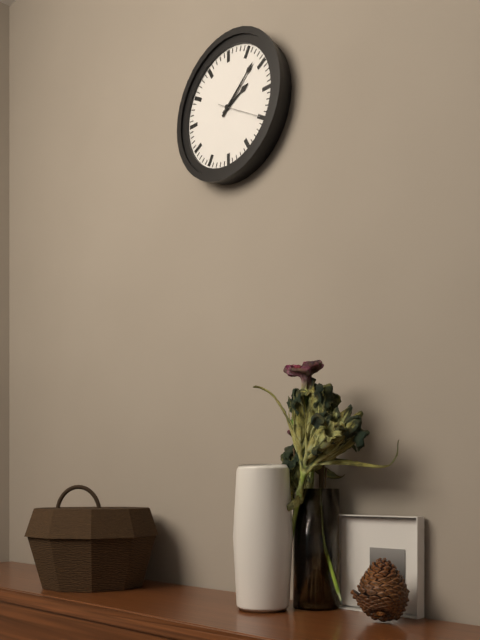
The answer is 2:08
